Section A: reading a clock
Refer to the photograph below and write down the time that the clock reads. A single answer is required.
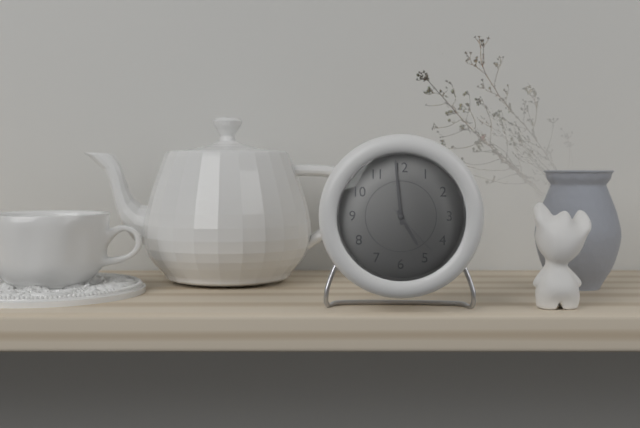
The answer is 4:59:23
